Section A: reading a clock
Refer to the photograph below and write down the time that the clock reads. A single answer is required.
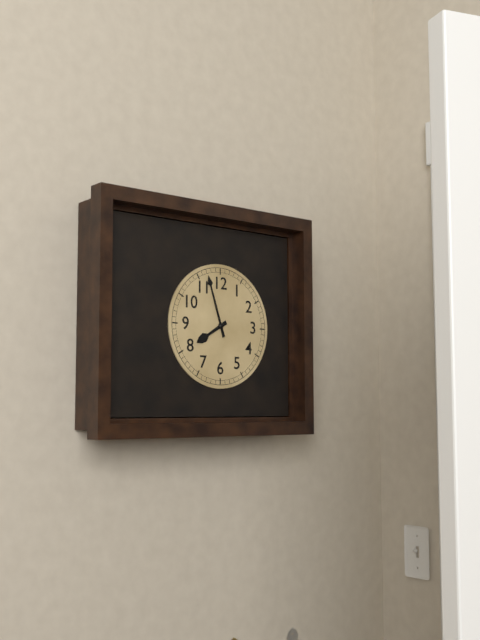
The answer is 7:57
